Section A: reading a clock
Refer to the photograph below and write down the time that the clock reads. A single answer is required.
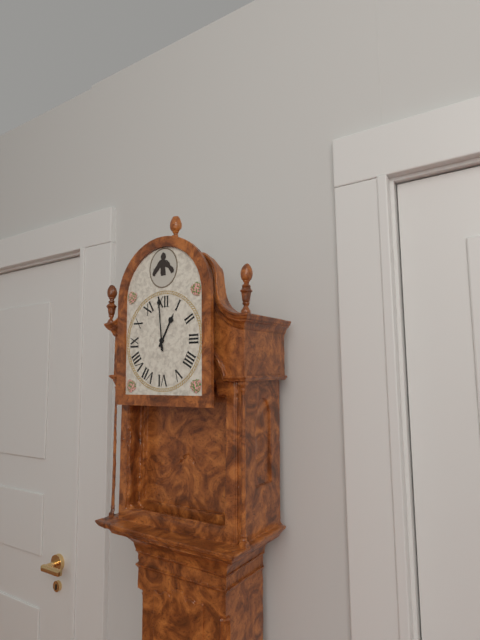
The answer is 12:59
